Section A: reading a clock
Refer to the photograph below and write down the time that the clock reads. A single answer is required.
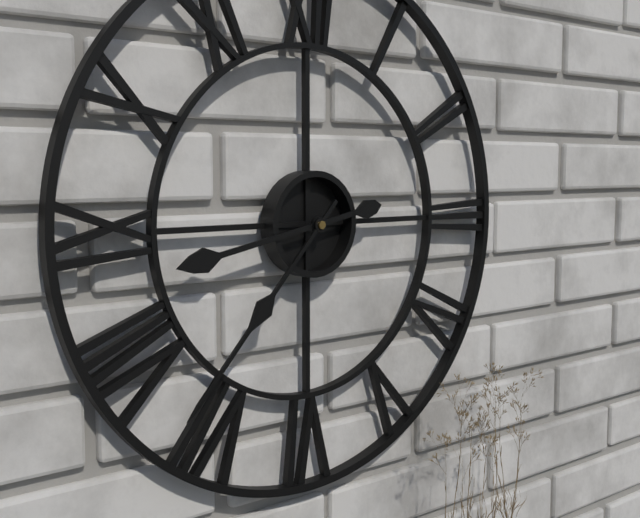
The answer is 8:37
